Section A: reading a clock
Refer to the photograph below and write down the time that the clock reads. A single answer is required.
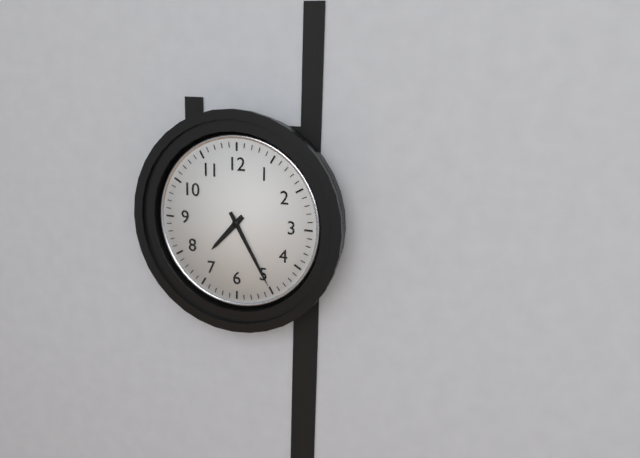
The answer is 7:25
